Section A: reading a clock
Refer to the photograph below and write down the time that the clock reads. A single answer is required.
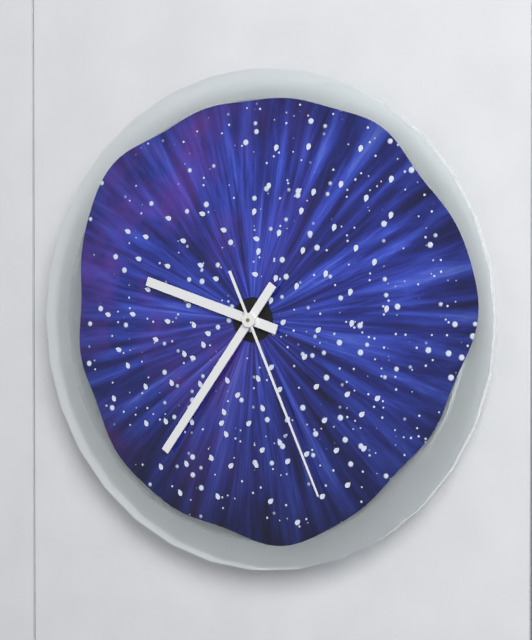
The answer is 9:36:26
